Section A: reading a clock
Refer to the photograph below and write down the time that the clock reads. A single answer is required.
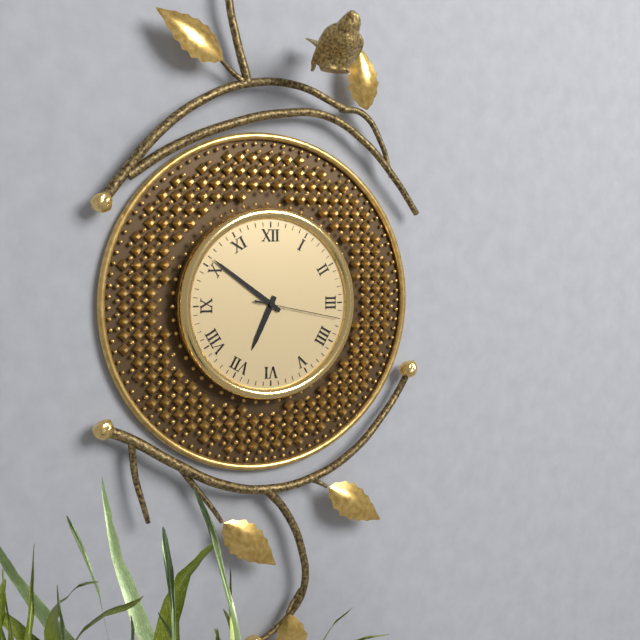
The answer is 6:51:17
